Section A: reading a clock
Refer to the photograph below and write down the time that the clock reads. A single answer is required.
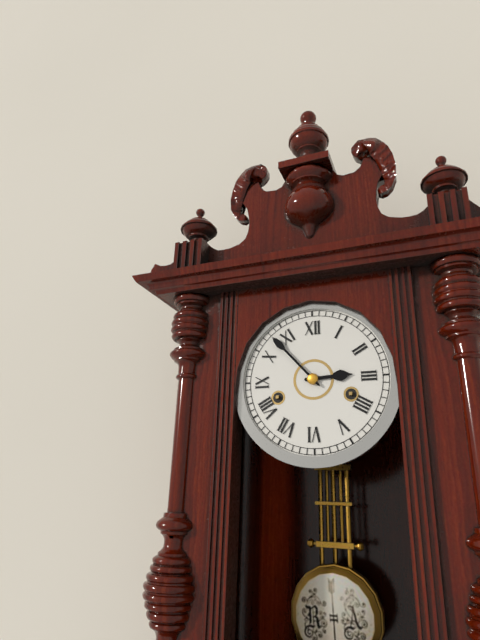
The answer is 2:53
